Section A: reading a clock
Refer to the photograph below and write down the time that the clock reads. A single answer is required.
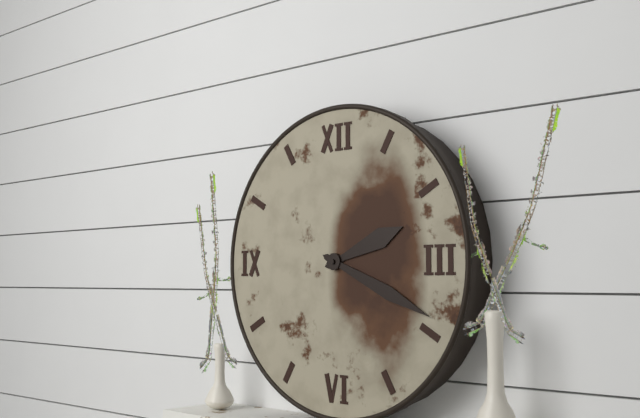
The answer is 2:19
